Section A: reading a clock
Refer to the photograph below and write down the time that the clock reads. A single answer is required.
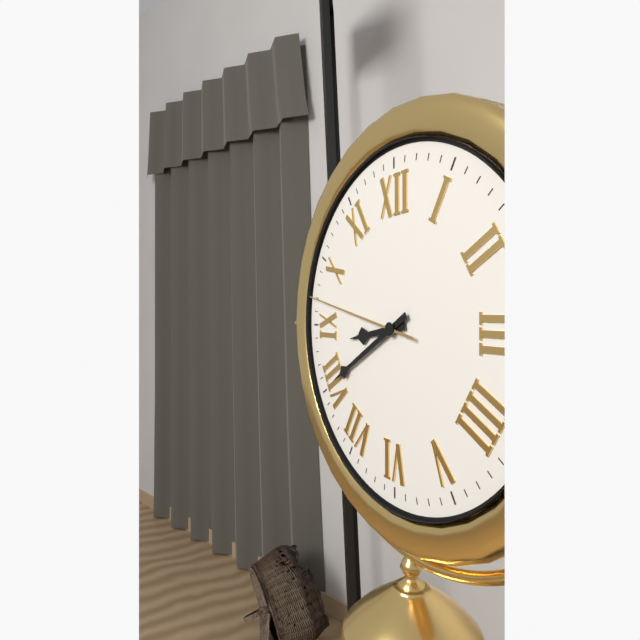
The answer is 8:40:47
